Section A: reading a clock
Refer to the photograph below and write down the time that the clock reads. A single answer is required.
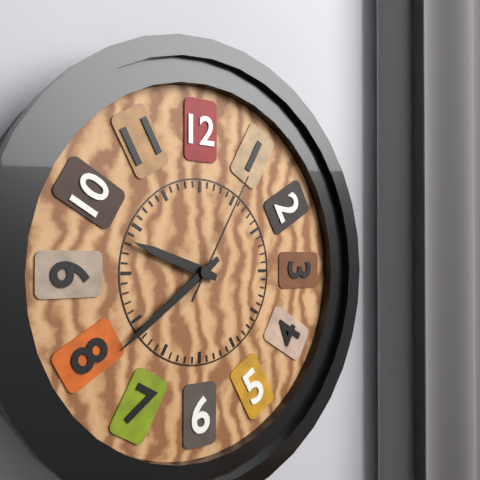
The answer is 9:39:05
